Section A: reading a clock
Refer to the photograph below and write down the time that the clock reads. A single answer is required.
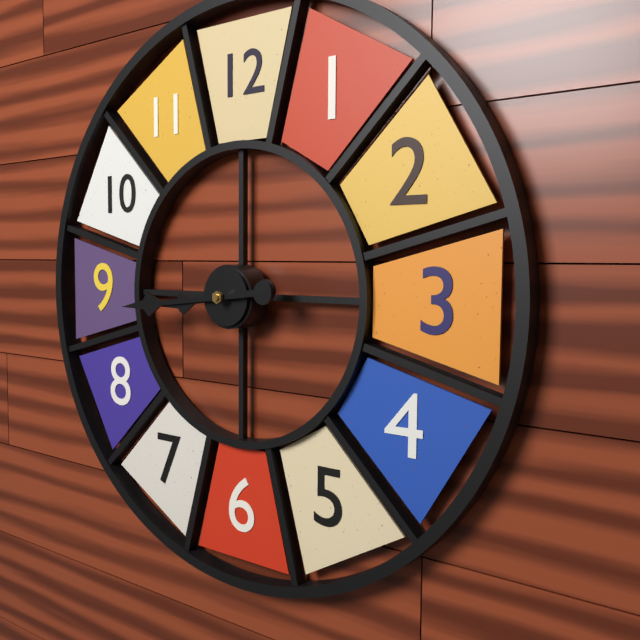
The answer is 8:44
